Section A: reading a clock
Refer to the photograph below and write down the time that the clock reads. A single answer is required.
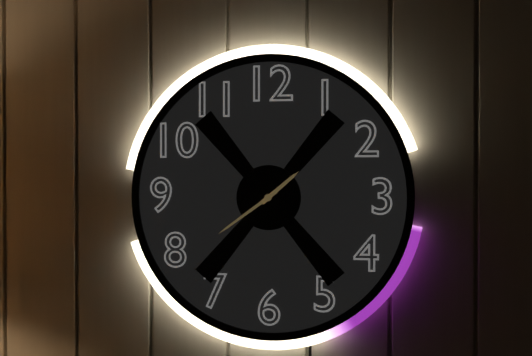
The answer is 1:39
